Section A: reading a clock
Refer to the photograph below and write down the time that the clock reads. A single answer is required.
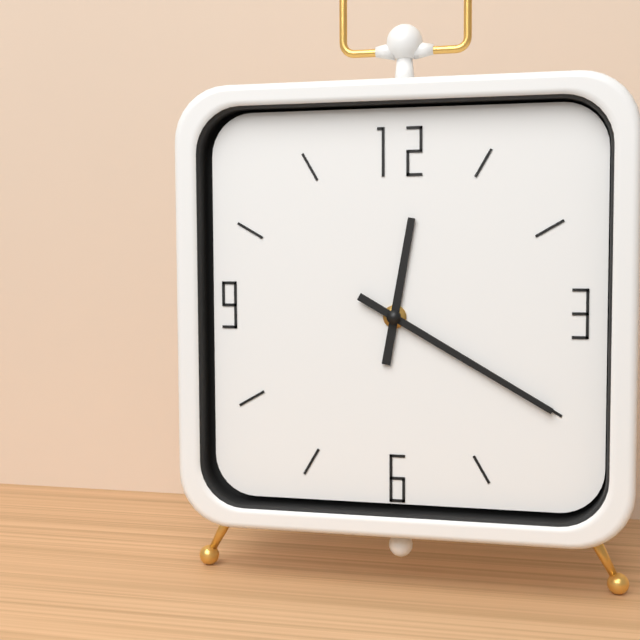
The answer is 12:20
